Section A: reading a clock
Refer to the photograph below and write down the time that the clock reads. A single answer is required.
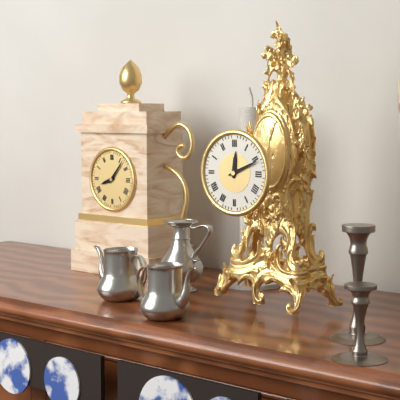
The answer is 12:11
